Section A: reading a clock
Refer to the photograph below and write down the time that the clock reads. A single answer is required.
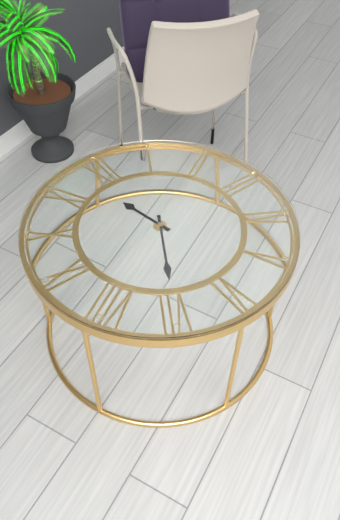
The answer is 11:35
